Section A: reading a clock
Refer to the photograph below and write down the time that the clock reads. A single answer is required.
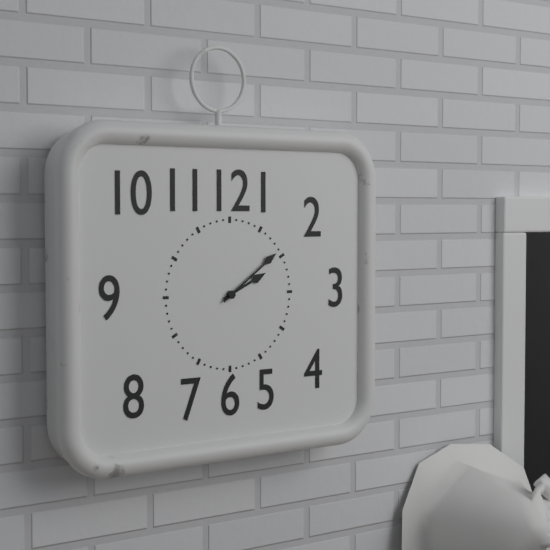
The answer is 2:09
